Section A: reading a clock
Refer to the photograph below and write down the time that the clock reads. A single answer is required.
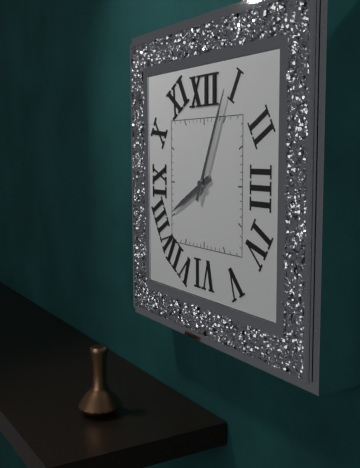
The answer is 8:04
